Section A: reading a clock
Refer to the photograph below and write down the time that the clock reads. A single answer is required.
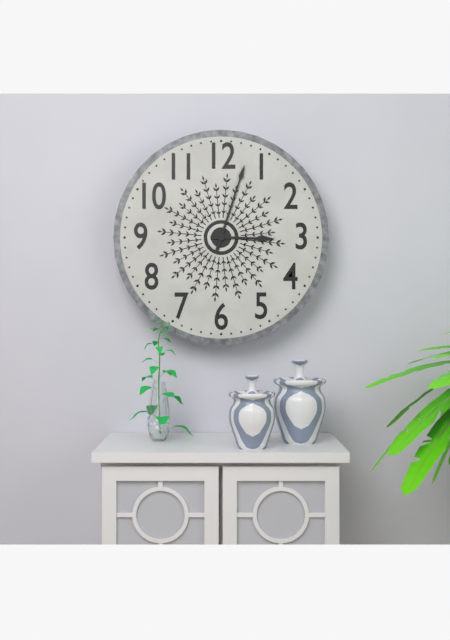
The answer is 3:03
